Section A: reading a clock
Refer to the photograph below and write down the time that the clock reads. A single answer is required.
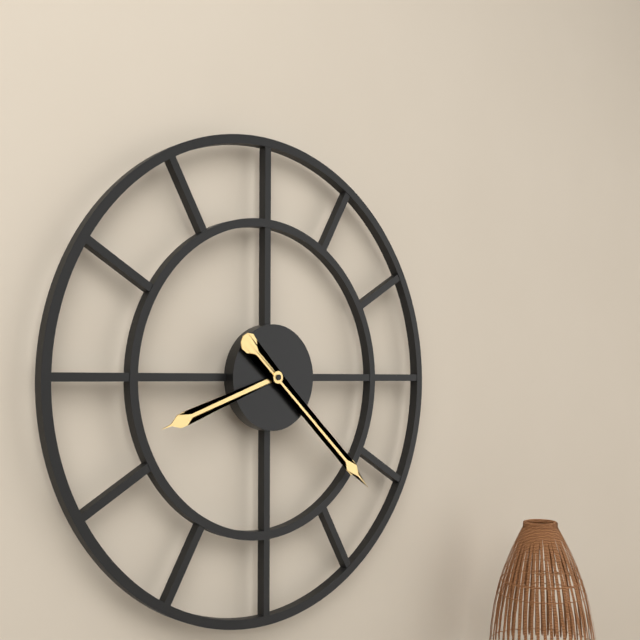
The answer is 8:22
